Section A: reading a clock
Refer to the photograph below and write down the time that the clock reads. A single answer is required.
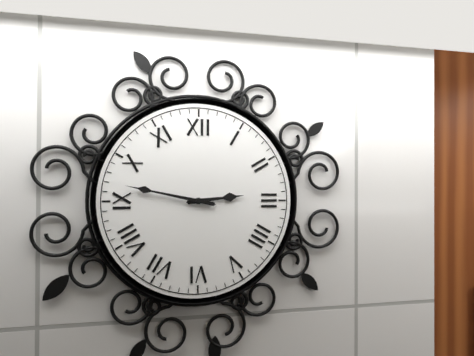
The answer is 2:47
